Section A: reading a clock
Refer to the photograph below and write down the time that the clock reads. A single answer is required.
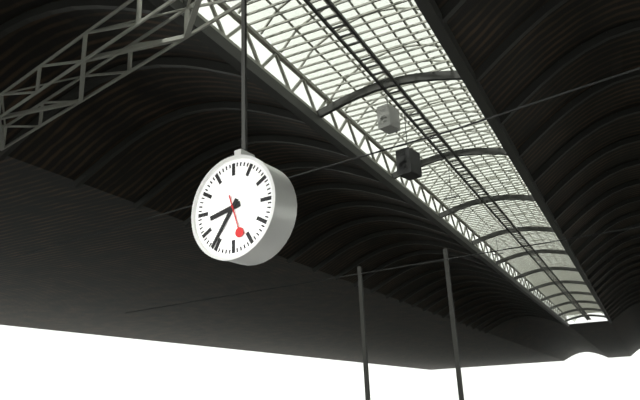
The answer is 8:36
